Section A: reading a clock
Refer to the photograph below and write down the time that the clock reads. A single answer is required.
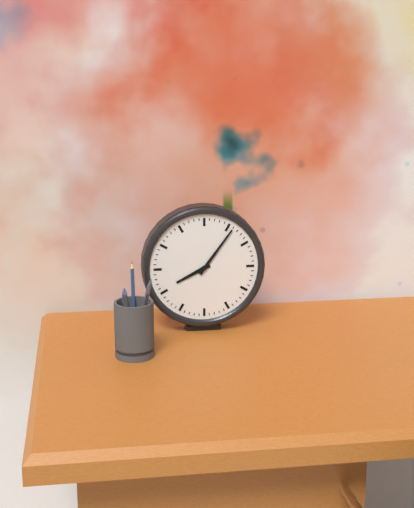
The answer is 8:06
